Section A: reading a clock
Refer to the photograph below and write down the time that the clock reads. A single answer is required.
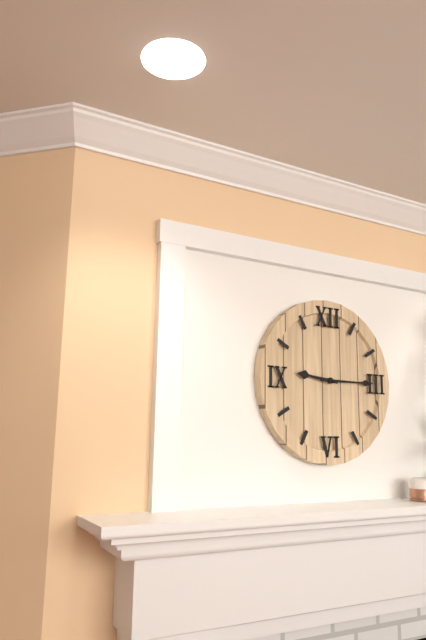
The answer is 9:15
